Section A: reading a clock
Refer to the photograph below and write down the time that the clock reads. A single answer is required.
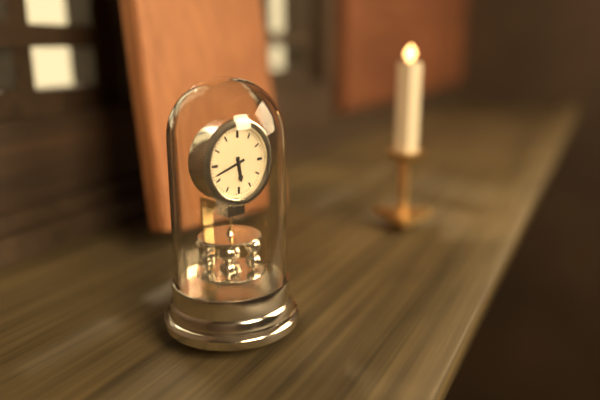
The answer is 5:42
